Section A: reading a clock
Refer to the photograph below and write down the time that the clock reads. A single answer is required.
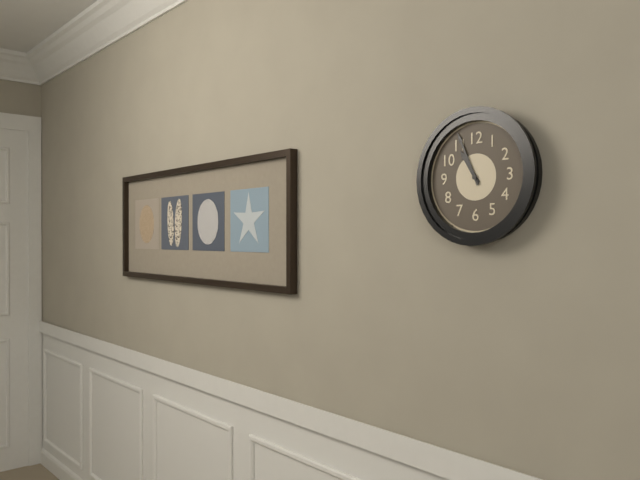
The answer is 10:56
